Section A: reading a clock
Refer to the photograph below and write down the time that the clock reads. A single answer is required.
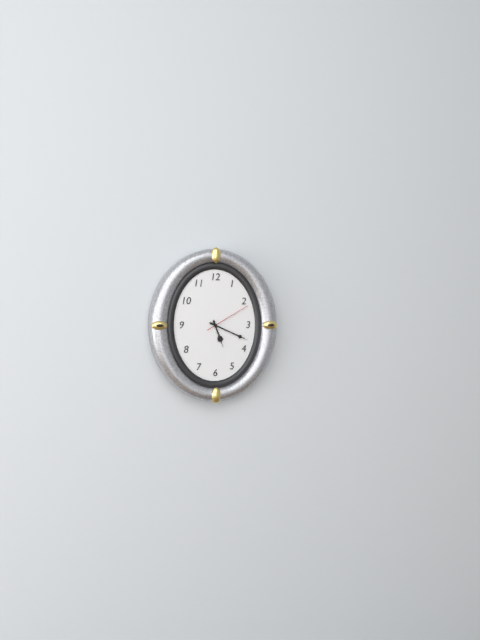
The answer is 5:19:10
